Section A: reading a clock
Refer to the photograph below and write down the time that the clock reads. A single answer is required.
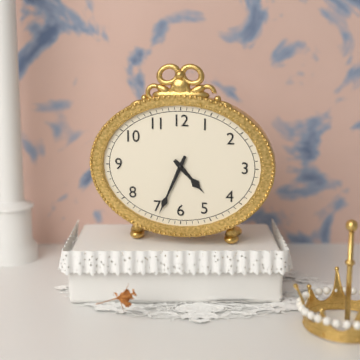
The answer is 4:34
